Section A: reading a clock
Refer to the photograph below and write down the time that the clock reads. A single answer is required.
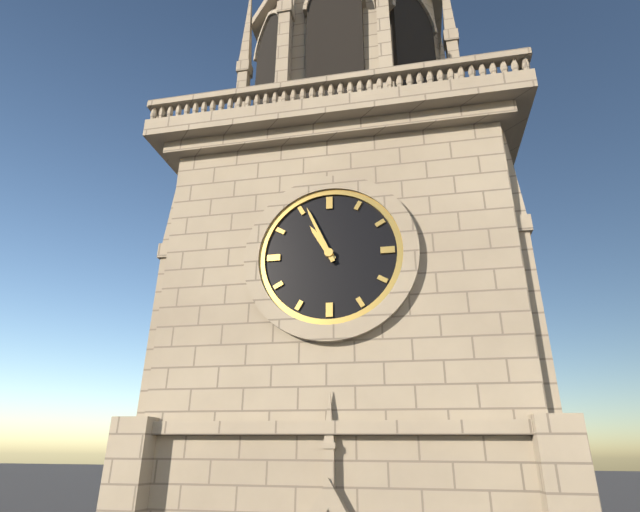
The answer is 10:56
